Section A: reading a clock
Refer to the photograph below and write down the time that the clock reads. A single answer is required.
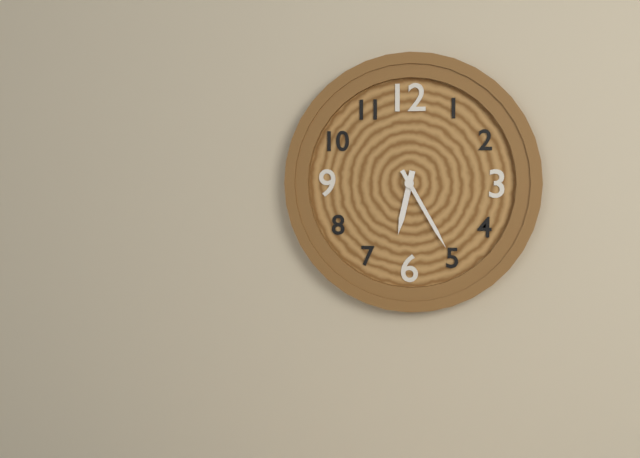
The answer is 6:25
